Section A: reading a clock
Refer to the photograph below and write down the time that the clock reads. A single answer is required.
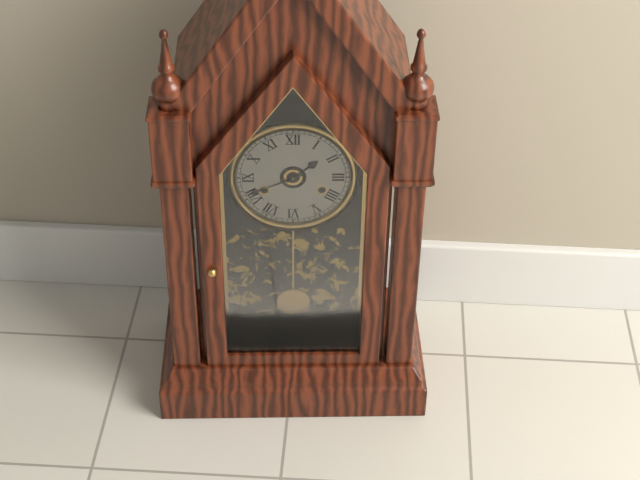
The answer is 1:41
